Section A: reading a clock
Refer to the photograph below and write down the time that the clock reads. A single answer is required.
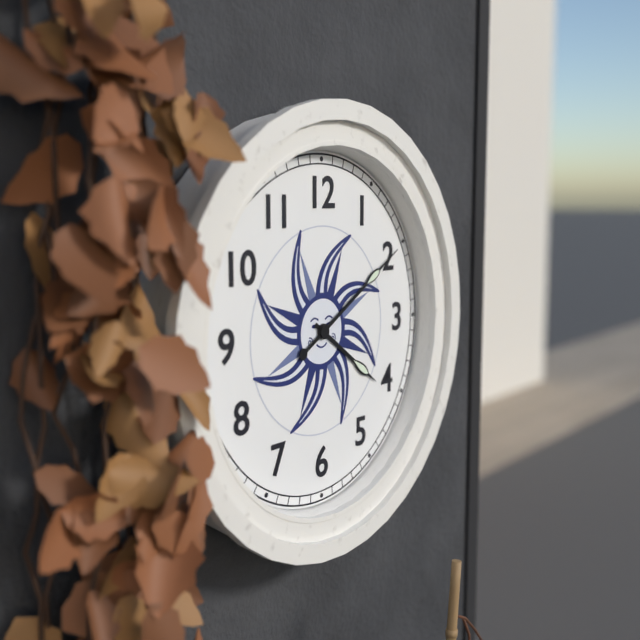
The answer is 4:10
